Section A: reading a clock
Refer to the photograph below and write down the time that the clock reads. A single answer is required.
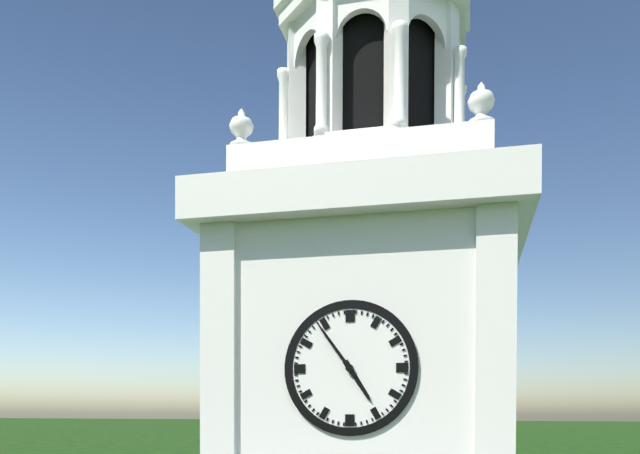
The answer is 4:54
